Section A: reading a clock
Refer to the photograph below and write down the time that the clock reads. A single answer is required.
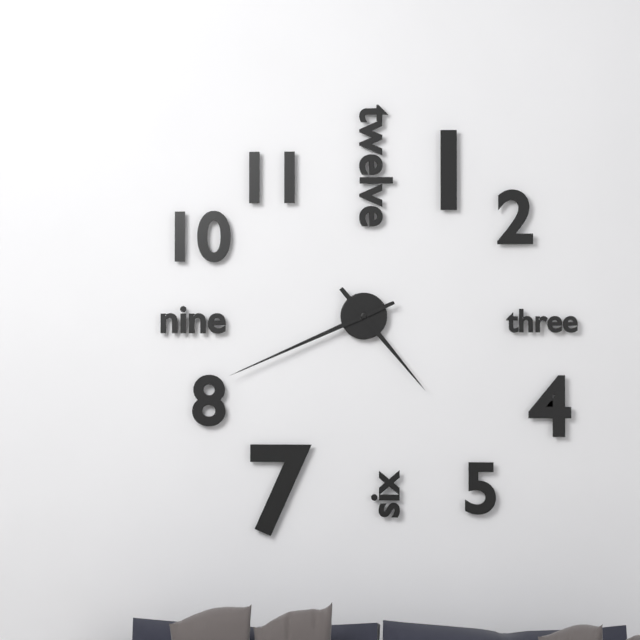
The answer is 4:41
